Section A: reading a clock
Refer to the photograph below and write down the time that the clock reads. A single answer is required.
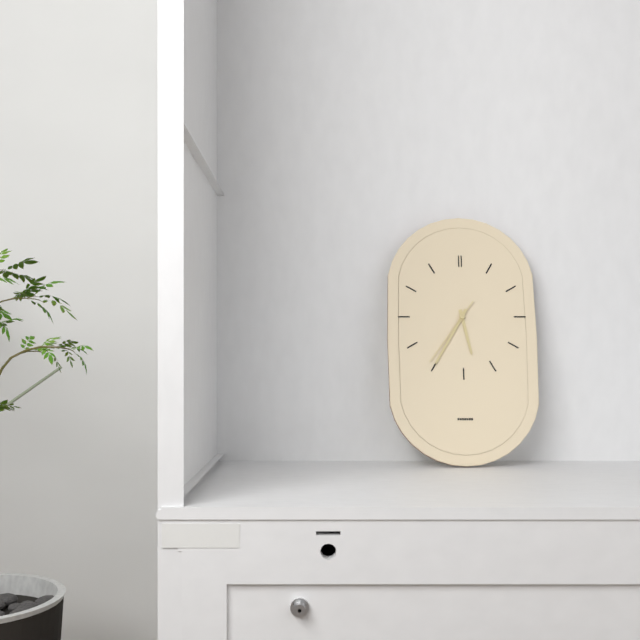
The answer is 5:35:36
